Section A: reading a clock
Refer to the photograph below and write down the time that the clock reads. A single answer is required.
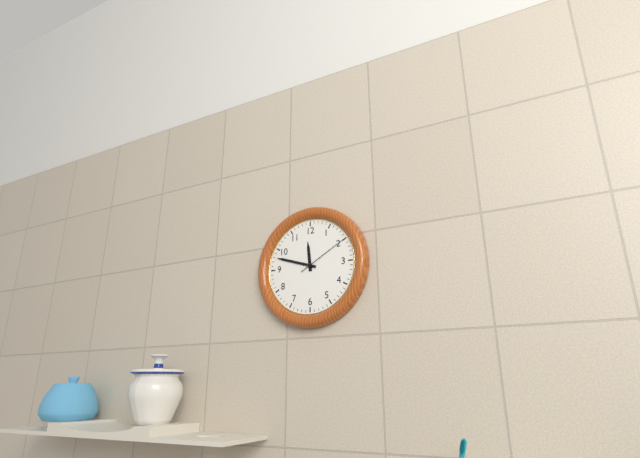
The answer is 11:48:10
